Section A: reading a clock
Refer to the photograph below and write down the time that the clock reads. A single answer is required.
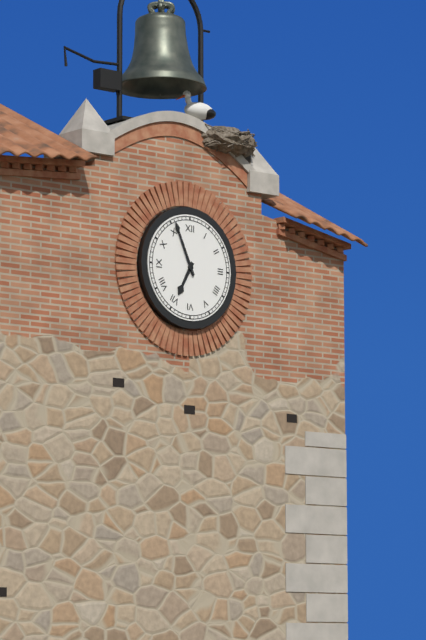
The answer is 6:56
